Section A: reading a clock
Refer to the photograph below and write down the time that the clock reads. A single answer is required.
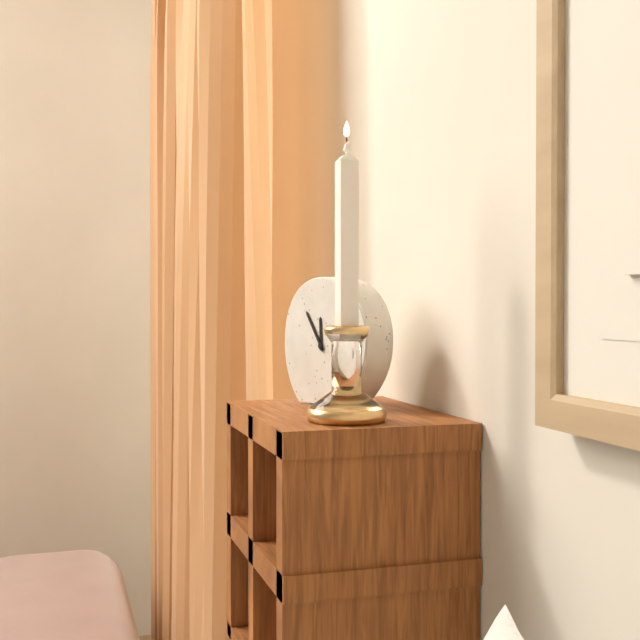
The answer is 11:54
